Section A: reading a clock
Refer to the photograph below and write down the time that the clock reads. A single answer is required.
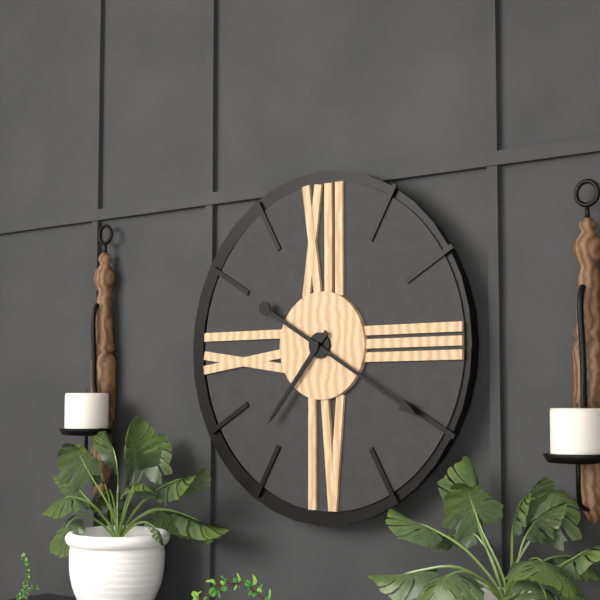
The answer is 7:20
